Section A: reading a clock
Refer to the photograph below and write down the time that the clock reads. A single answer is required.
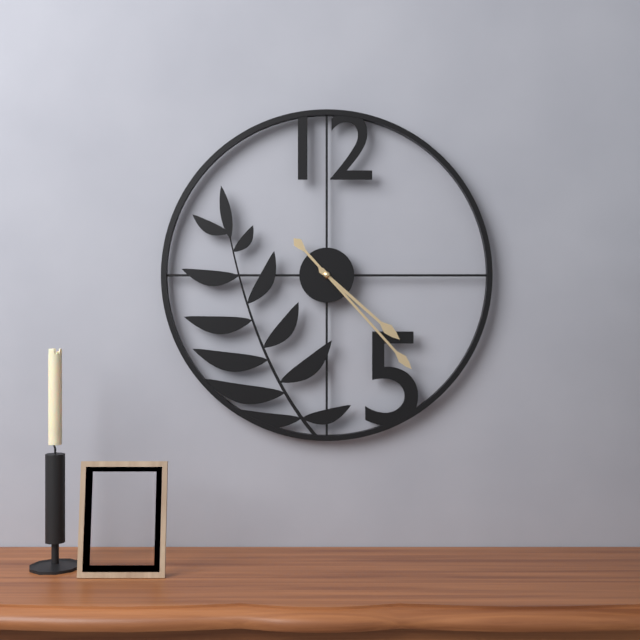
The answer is 4:23
